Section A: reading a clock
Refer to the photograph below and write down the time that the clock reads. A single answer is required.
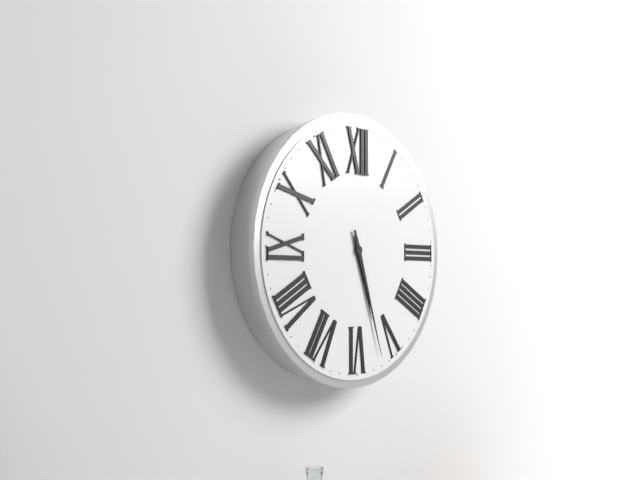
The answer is 5:27
